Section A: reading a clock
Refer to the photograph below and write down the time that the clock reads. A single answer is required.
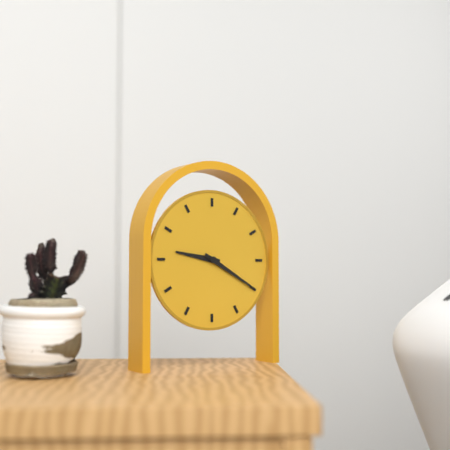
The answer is 9:20
